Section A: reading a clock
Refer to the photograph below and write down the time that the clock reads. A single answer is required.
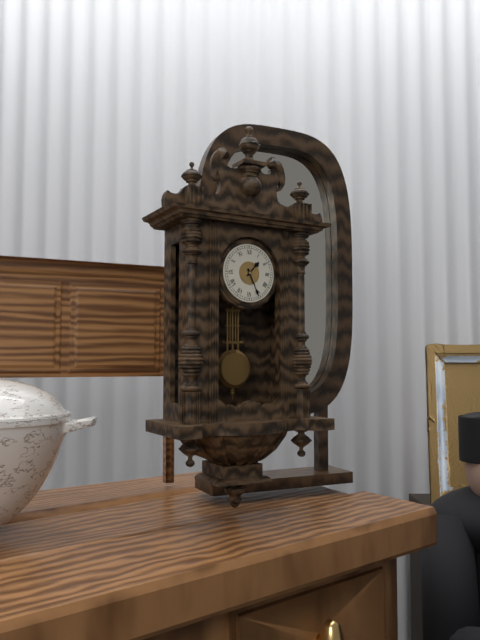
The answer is 1:26
